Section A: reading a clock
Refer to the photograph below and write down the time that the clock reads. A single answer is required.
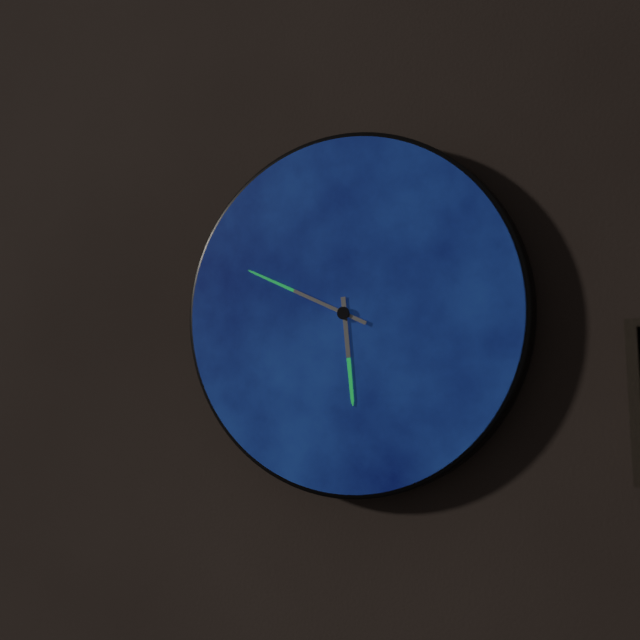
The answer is 5:49
